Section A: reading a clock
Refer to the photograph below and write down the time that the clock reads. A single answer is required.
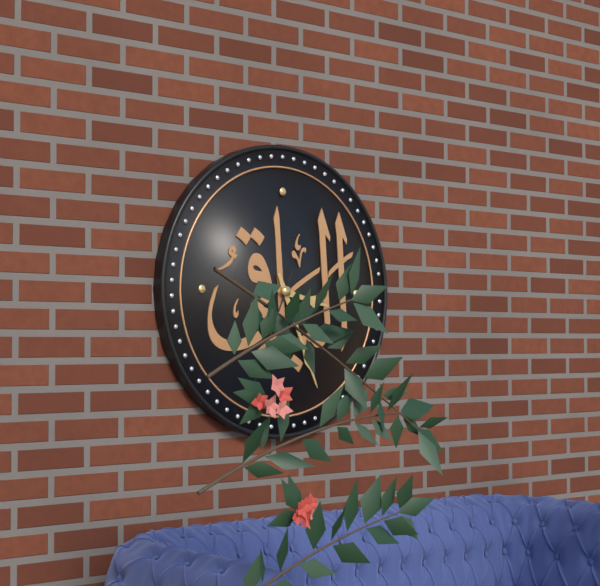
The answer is 3:26:34
